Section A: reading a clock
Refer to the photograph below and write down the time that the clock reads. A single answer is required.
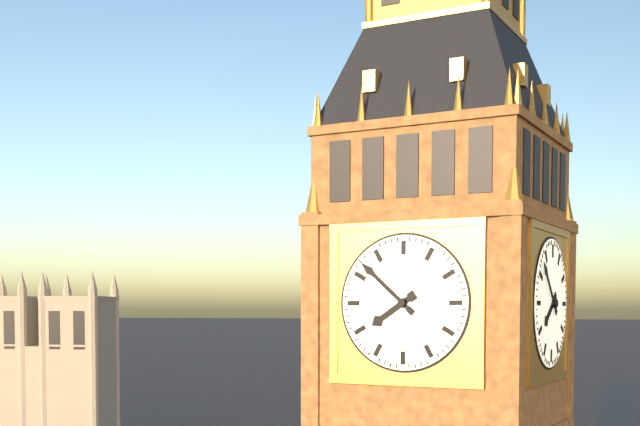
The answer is 7:52
